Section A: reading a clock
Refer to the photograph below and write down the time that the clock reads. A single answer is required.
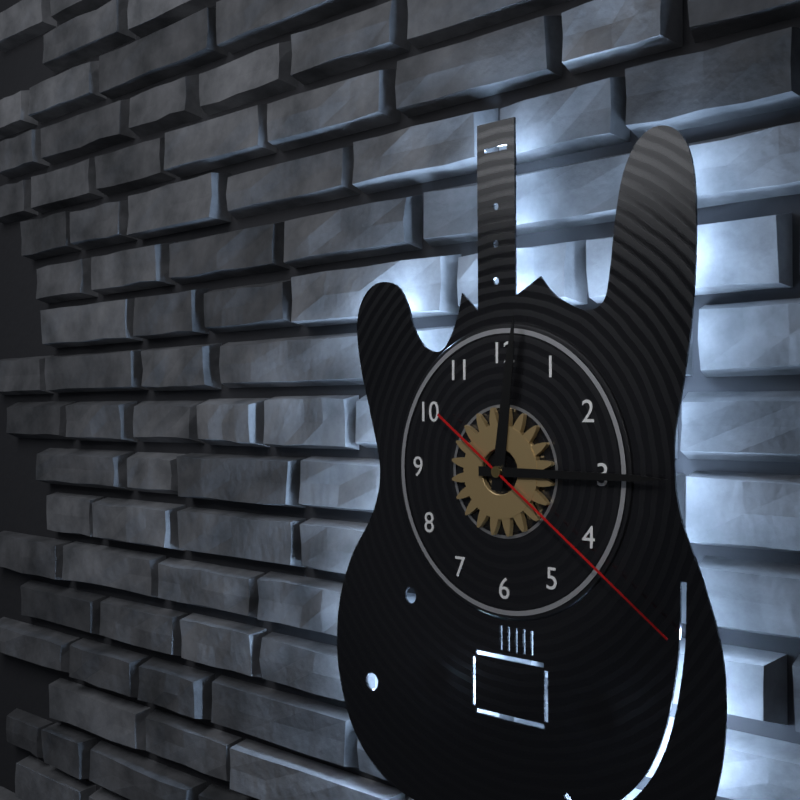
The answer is 12:15:21
